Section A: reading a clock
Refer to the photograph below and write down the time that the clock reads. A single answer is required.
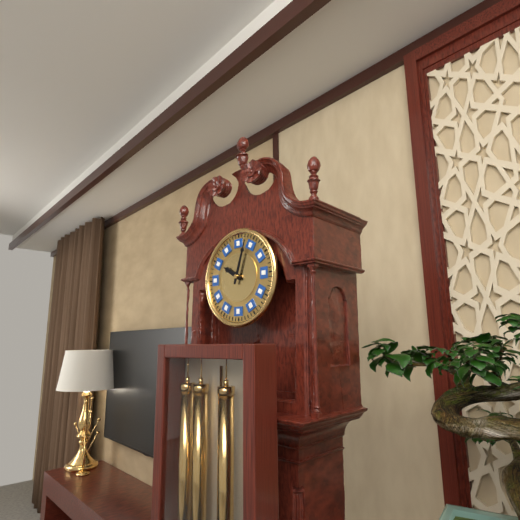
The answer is 10:03
